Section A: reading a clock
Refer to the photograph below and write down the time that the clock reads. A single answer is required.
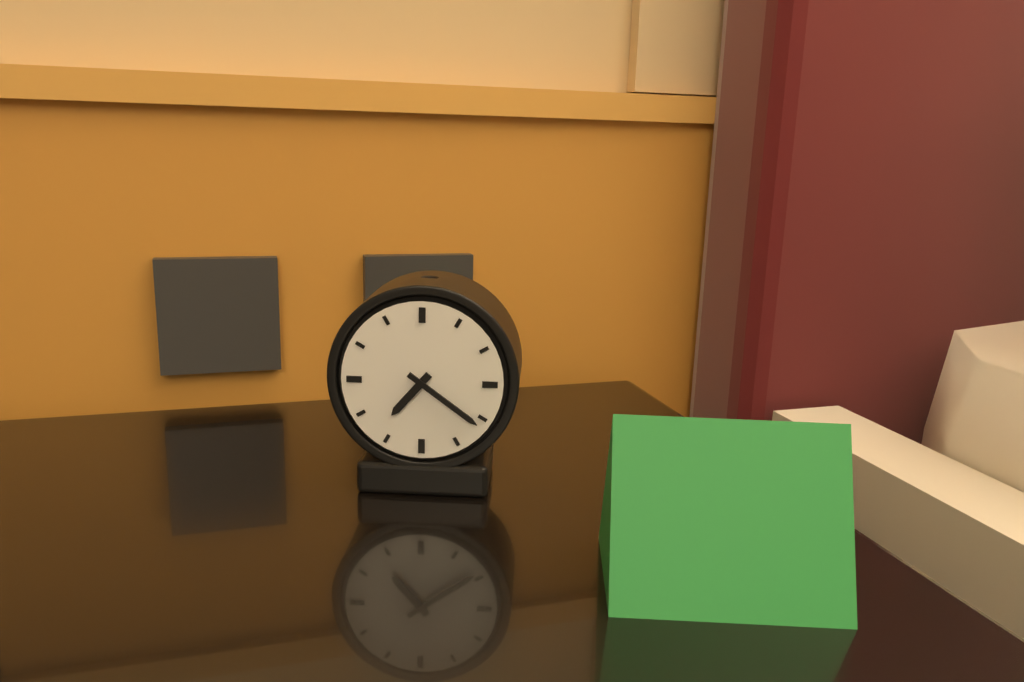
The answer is 7:21
